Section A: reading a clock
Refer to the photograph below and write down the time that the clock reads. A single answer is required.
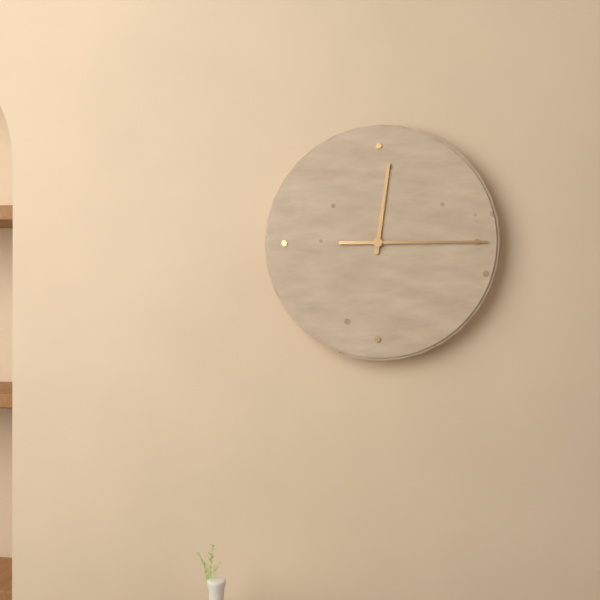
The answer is 12:15
